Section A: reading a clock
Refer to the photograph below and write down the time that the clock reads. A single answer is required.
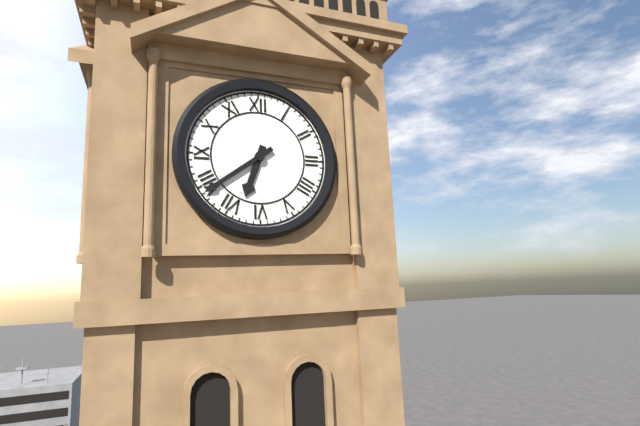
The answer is 6:39
